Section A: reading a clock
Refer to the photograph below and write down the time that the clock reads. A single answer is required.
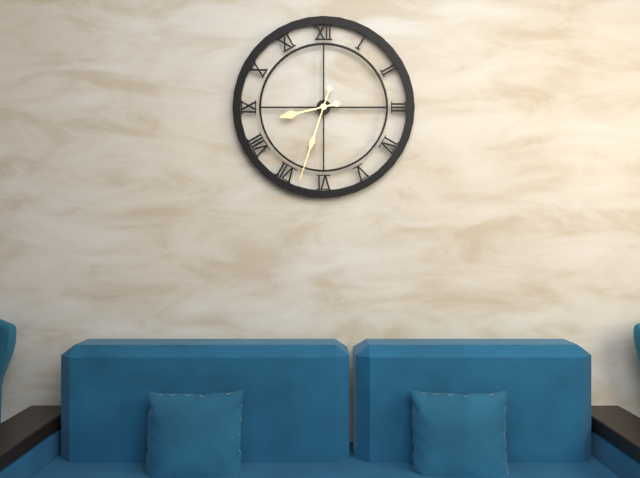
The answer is 8:33
